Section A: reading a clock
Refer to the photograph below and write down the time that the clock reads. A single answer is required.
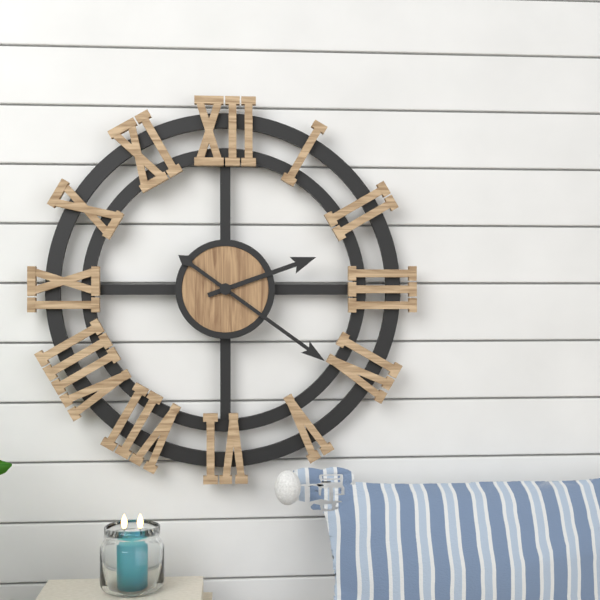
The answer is 2:21
